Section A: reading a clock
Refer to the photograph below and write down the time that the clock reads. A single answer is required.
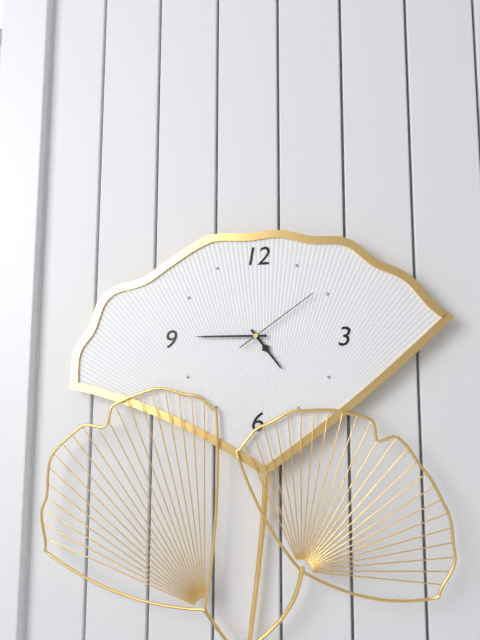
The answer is 4:45:09
